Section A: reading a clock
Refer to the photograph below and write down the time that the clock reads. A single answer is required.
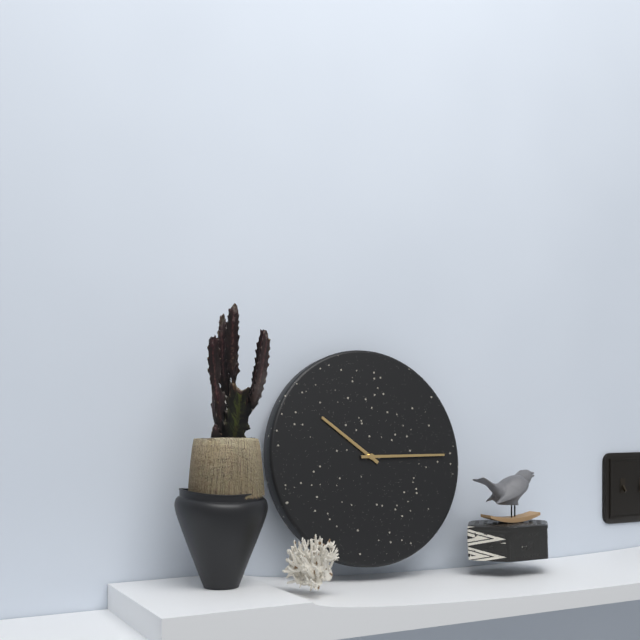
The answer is 10:15
